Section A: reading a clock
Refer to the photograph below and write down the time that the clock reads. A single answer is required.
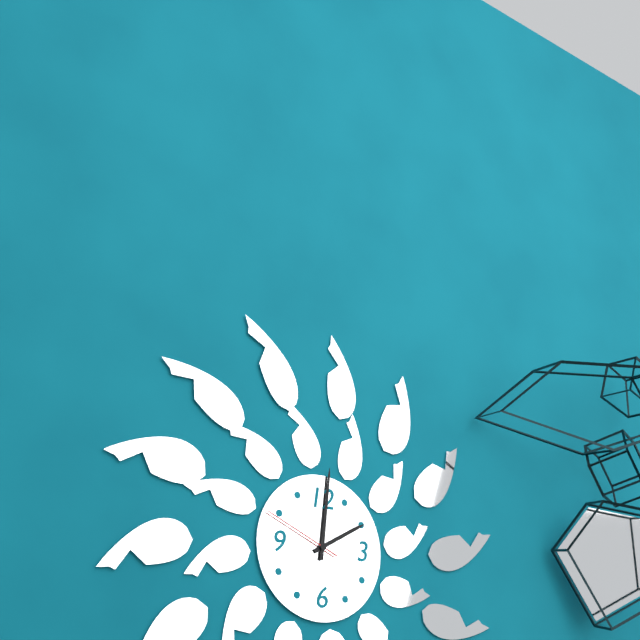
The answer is 2:01:49
